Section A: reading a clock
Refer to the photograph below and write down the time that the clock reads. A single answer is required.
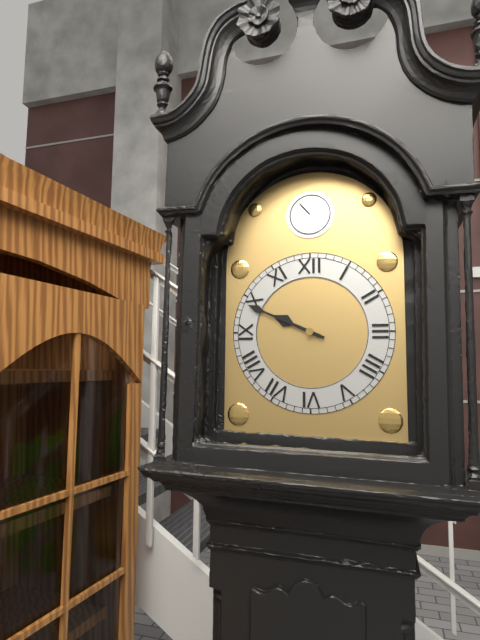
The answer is 9:49
